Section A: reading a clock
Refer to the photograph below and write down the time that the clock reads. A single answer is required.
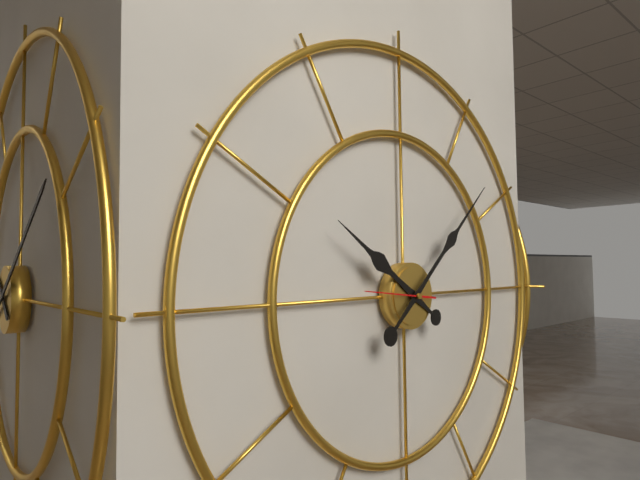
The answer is 10:08
